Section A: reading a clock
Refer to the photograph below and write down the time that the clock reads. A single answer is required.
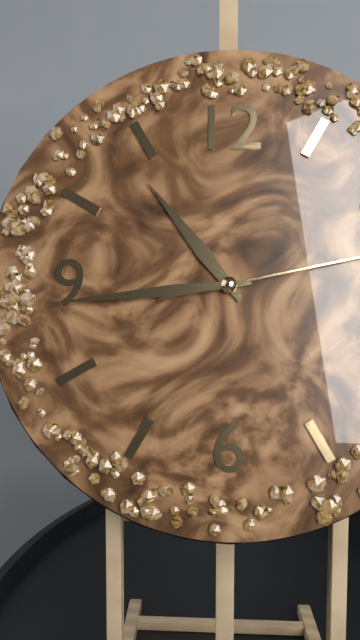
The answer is 10:44
